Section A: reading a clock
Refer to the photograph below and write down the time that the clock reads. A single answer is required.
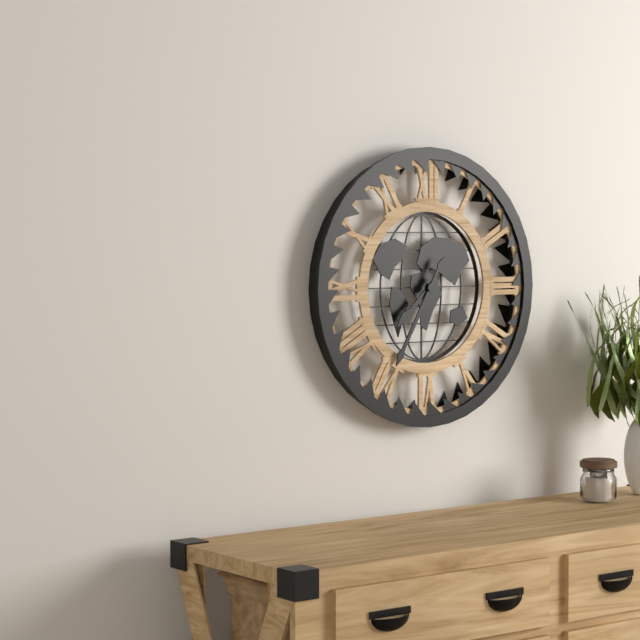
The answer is 7:35
